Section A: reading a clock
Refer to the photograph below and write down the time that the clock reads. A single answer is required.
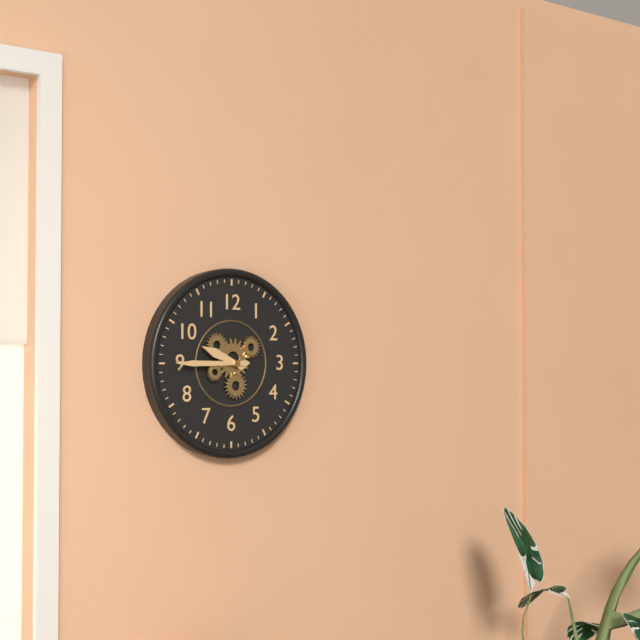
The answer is 9:45
